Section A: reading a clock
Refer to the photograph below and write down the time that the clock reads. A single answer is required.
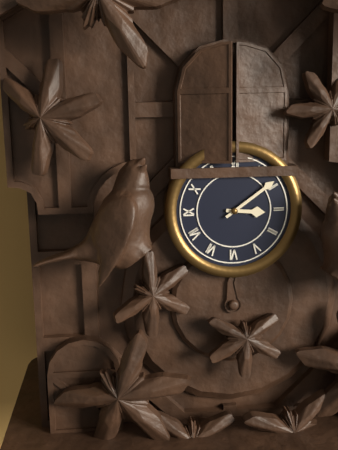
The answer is 3:09
